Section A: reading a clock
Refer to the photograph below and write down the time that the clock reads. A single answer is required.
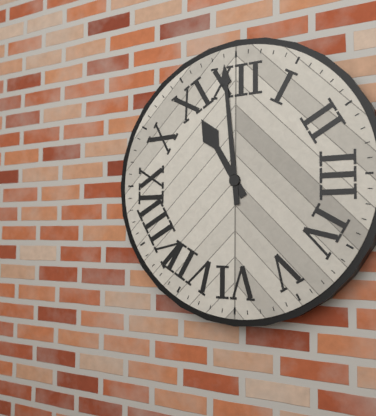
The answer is 10:59
